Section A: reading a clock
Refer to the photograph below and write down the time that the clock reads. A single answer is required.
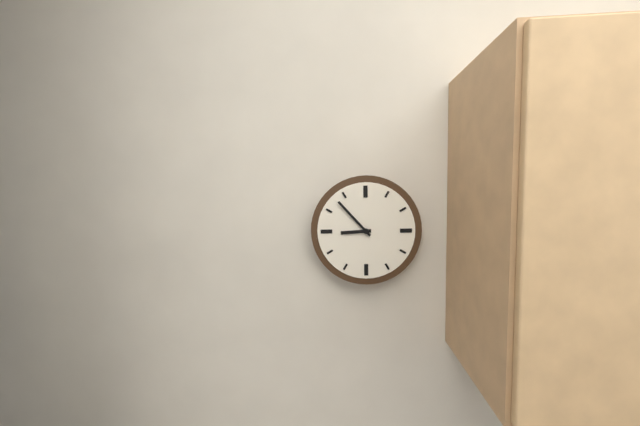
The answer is 8:53
